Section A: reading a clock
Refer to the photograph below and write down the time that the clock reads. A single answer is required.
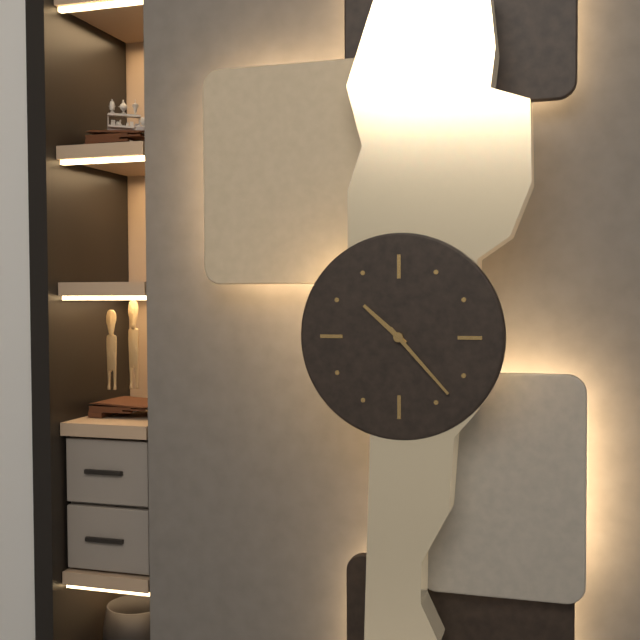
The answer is 10:23
